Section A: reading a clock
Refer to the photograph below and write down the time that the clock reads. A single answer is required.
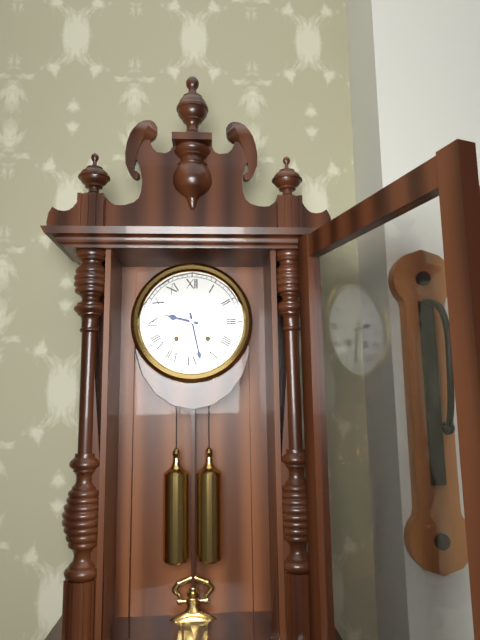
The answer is 9:28
